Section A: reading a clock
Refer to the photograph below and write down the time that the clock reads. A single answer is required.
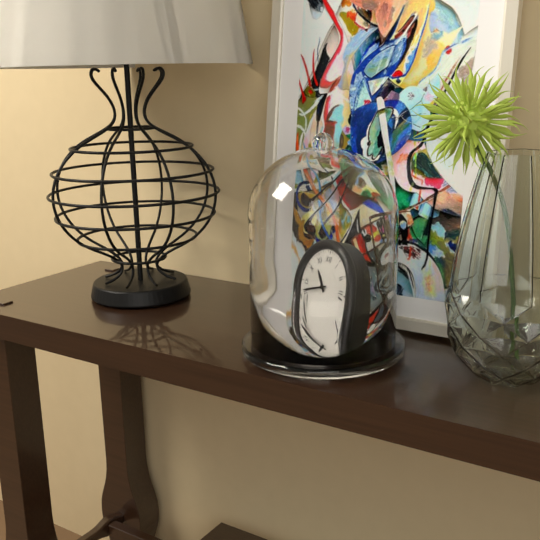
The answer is 10:42
